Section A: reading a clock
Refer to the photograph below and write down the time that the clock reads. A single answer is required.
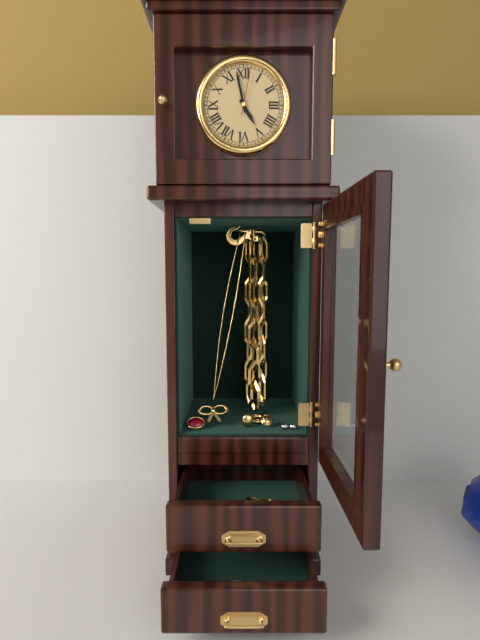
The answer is 4:58:02
